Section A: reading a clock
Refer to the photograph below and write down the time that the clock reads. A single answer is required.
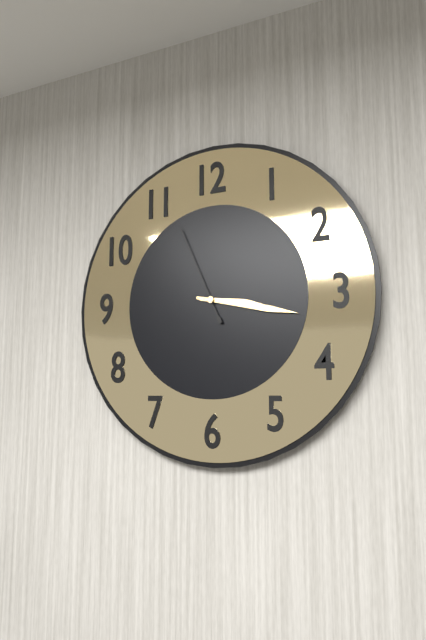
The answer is 3:17:56
